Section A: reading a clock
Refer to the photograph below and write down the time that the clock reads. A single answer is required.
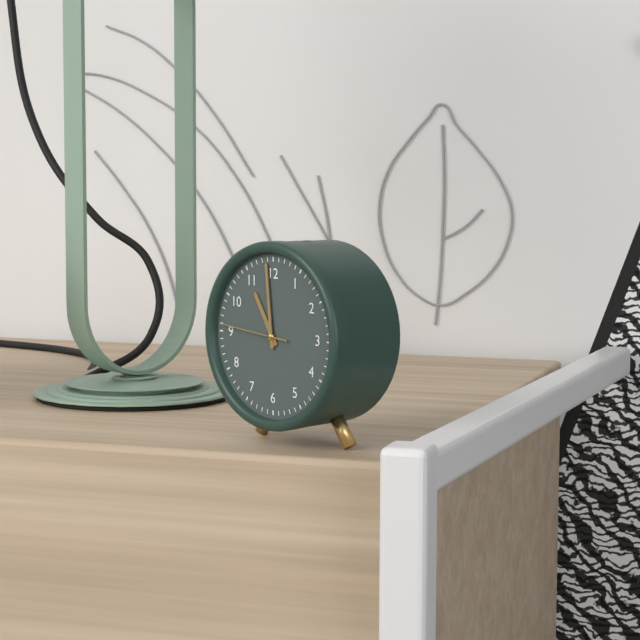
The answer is 10:59:46
